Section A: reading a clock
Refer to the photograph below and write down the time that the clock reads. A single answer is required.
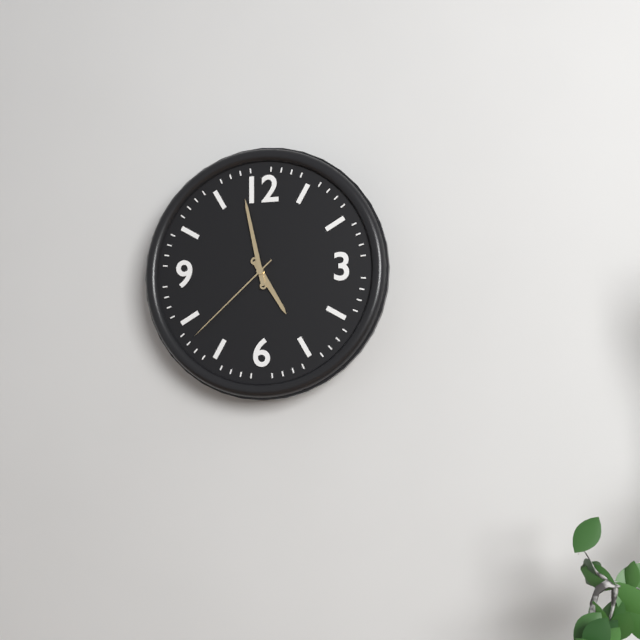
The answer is 4:58:38
